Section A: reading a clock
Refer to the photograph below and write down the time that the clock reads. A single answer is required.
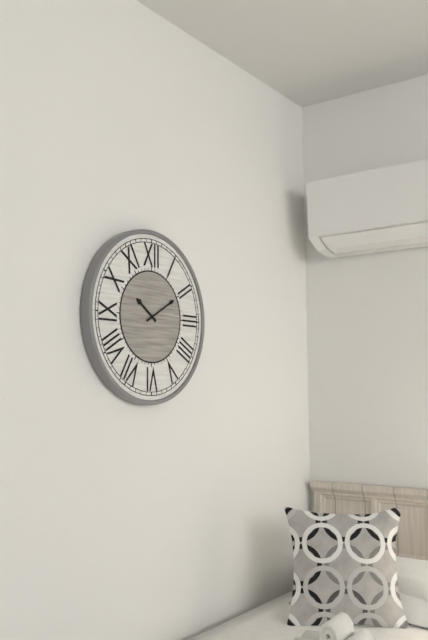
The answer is 10:10
